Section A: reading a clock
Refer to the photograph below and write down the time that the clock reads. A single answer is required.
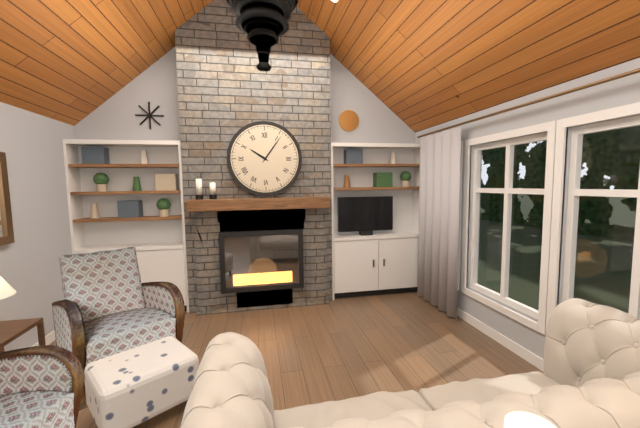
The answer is 10:06
